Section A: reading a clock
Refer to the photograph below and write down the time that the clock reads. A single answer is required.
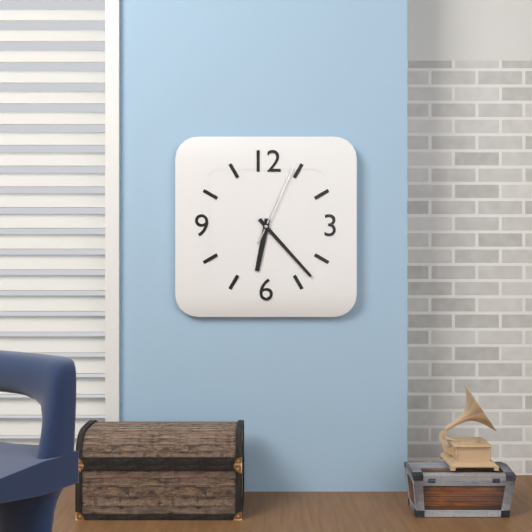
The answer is 6:23:04
